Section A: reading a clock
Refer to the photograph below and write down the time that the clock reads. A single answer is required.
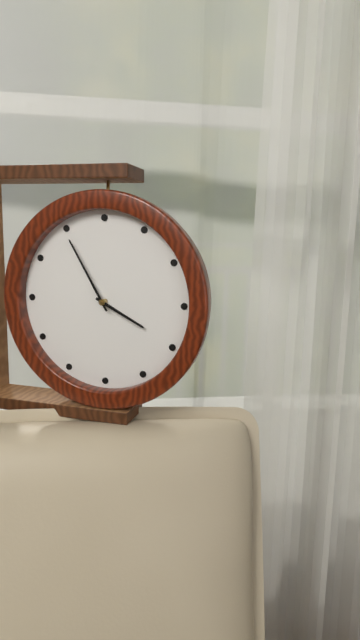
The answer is 3:55
